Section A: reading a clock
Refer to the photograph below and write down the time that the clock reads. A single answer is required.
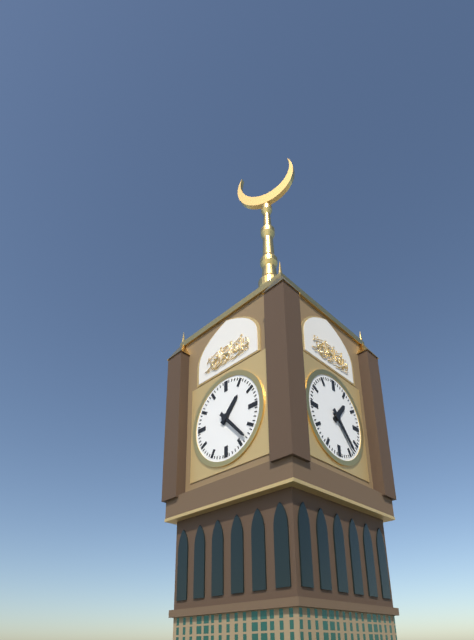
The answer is 1:23
